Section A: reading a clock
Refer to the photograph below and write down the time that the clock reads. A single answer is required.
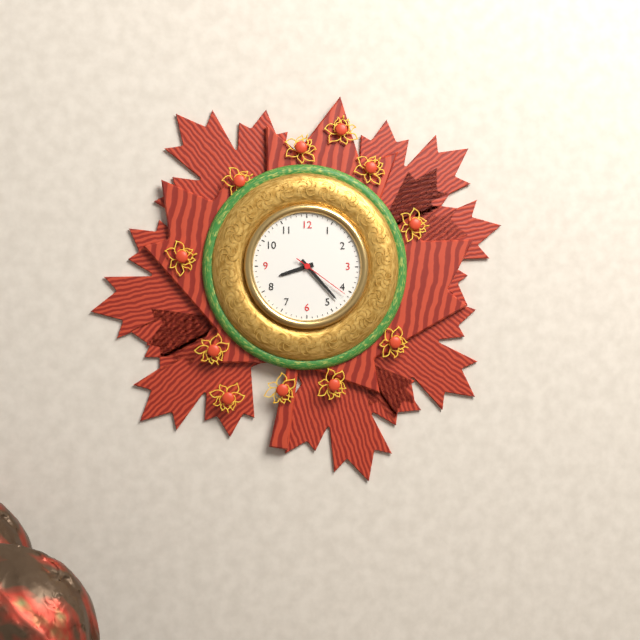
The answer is 8:23:21
